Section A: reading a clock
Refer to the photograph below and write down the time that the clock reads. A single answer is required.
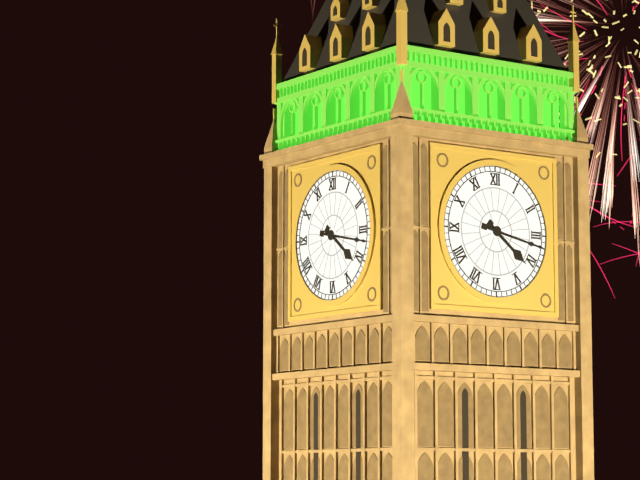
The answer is 4:17
